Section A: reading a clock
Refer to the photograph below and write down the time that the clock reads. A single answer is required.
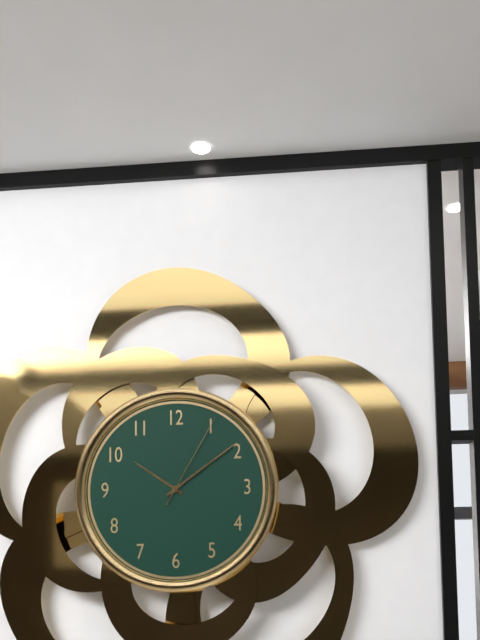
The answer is 10:09:05
